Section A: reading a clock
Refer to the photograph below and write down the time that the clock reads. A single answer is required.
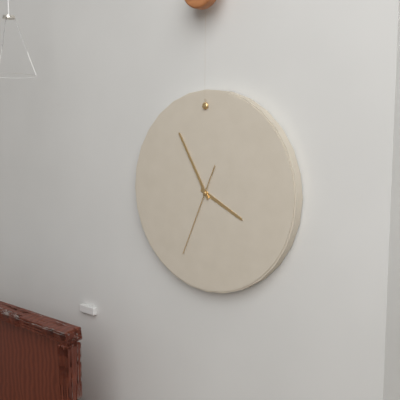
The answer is 3:55:34
